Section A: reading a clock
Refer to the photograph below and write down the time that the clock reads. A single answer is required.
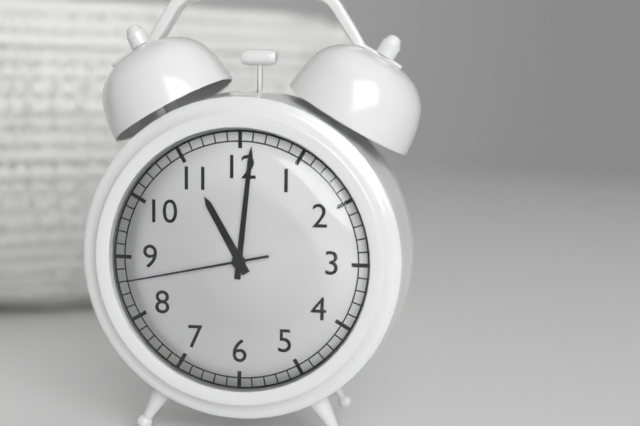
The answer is 11:01:43
